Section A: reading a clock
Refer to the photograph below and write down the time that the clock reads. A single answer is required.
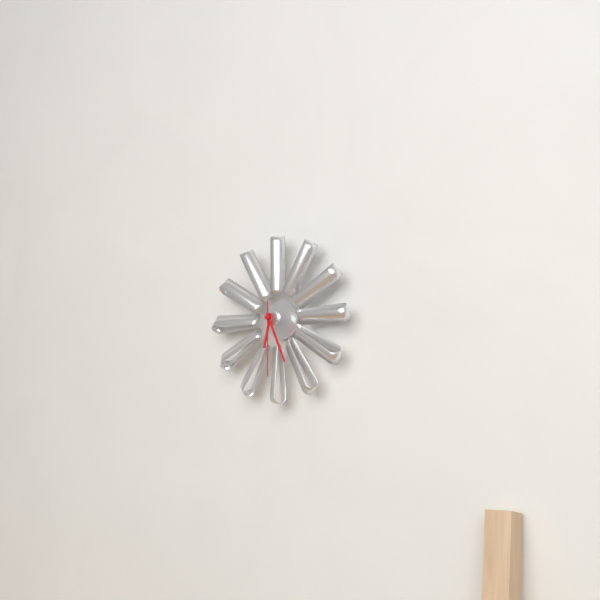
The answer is 6:26:30
